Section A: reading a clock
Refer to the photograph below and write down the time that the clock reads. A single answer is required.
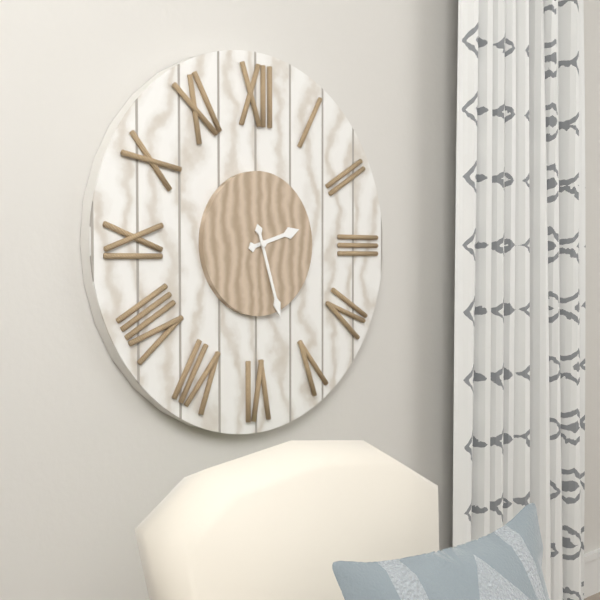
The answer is 2:27
